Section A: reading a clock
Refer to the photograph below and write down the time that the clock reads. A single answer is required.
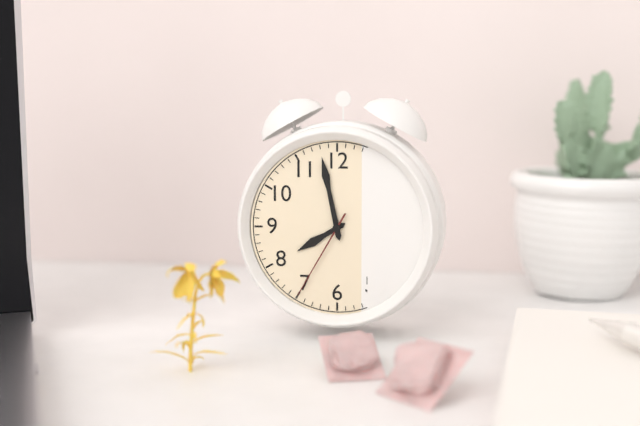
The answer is 7:58:35
